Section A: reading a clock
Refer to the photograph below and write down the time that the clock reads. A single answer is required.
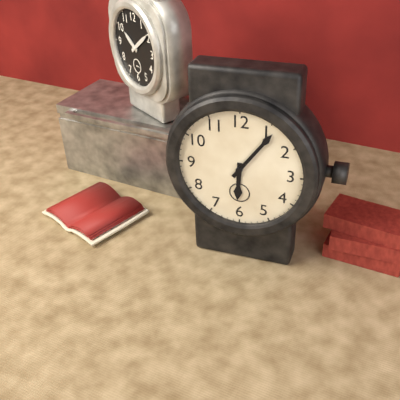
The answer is 6:06
